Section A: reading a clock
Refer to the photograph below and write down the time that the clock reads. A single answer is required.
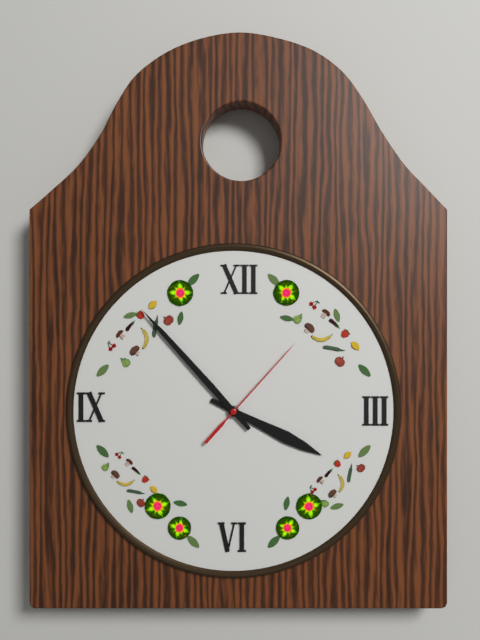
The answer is 3:53:07
